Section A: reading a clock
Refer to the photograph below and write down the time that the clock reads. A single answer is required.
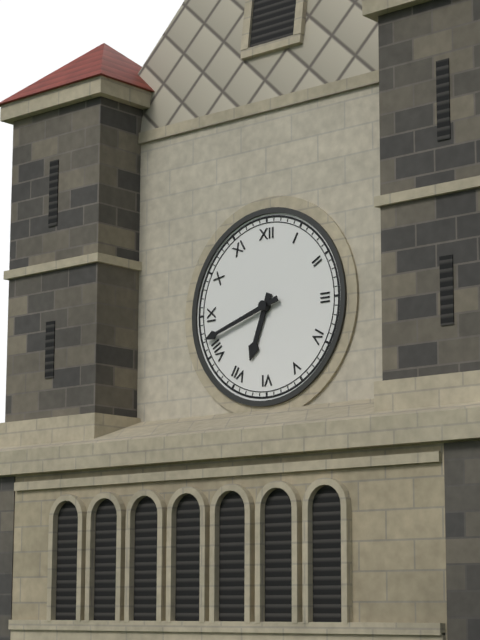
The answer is 6:42
